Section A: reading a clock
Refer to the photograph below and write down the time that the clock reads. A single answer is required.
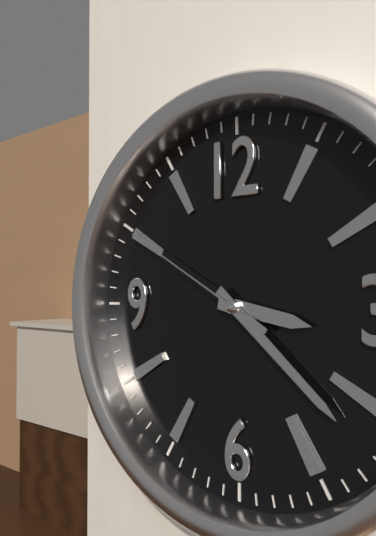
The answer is 3:22:50
